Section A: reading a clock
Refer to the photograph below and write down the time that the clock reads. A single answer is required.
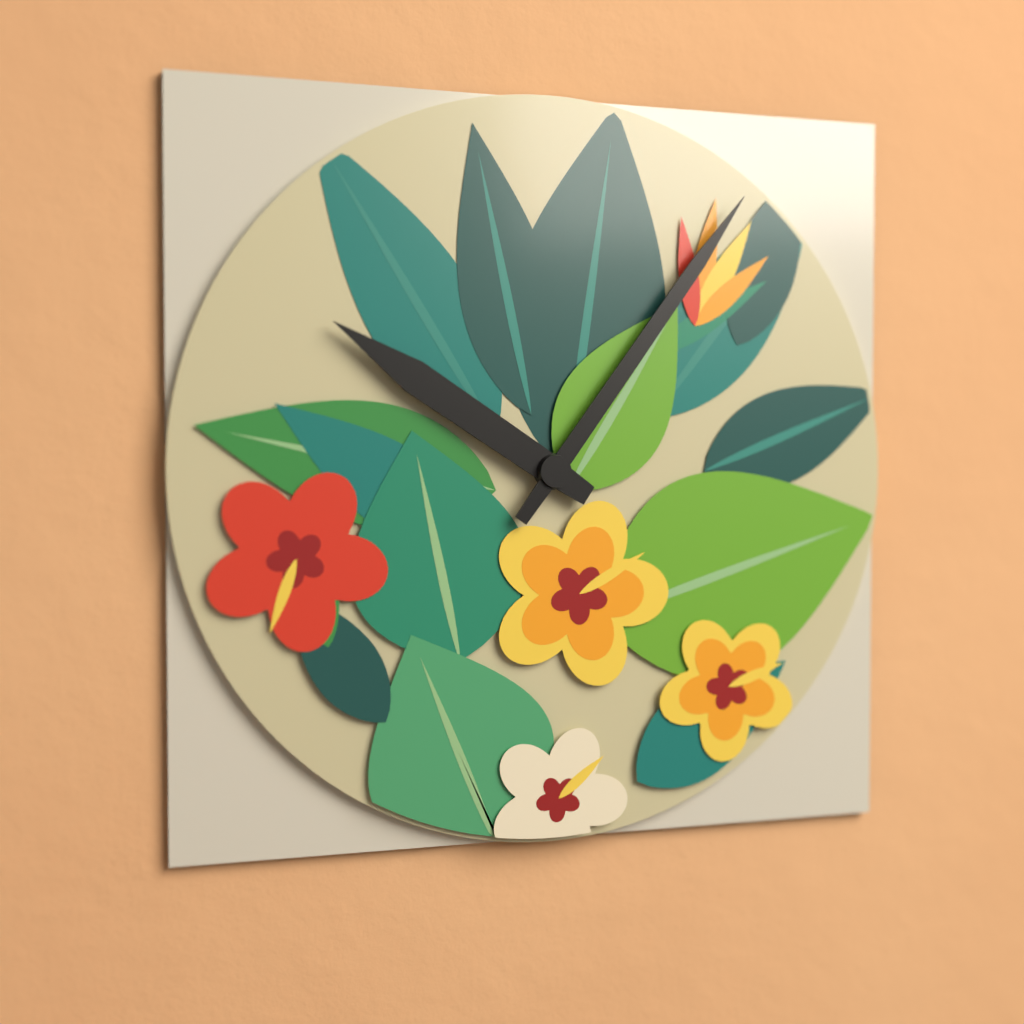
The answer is 10:06
